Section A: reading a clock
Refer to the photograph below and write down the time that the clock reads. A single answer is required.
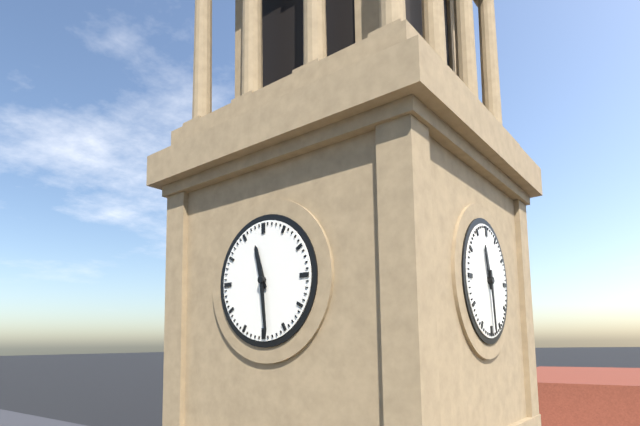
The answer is 11:29
